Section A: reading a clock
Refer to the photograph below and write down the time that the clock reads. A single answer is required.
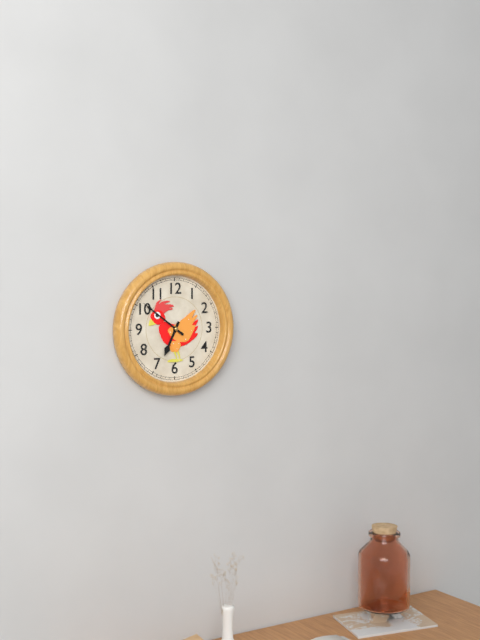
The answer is 6:51
